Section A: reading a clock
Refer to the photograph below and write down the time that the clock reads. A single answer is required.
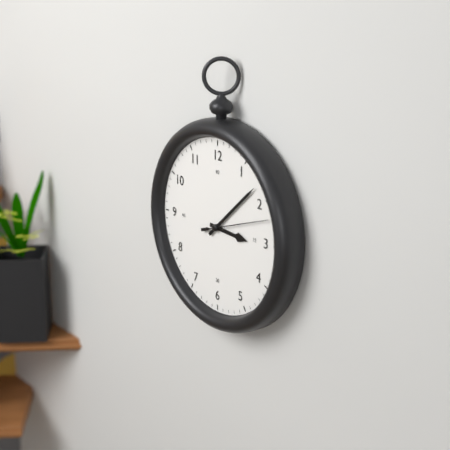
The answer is 3:08:12
